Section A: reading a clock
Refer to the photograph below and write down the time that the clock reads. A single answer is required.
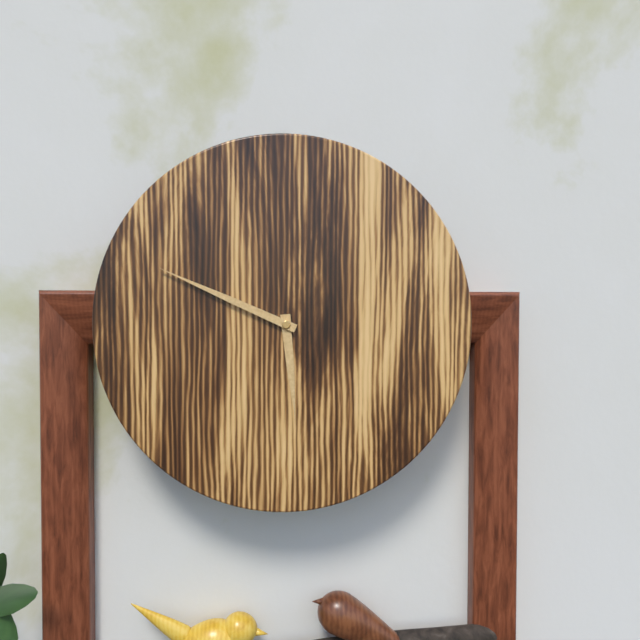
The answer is 5:49
